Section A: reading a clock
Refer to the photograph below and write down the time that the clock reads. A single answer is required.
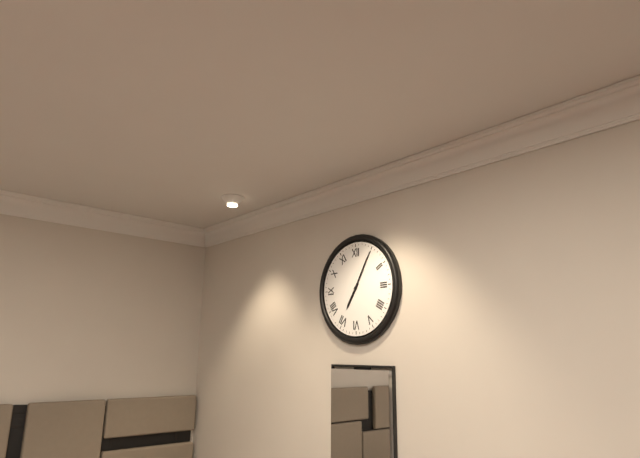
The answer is 7:05
